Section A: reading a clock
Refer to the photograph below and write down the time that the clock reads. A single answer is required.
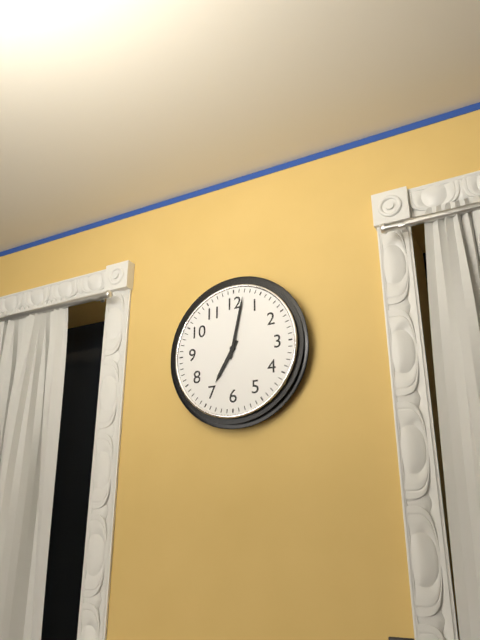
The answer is 7:02
